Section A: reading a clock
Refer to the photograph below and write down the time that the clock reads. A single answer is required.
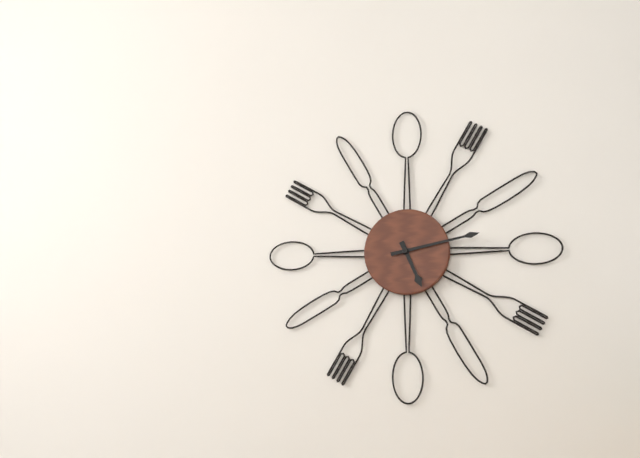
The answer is 5:13
